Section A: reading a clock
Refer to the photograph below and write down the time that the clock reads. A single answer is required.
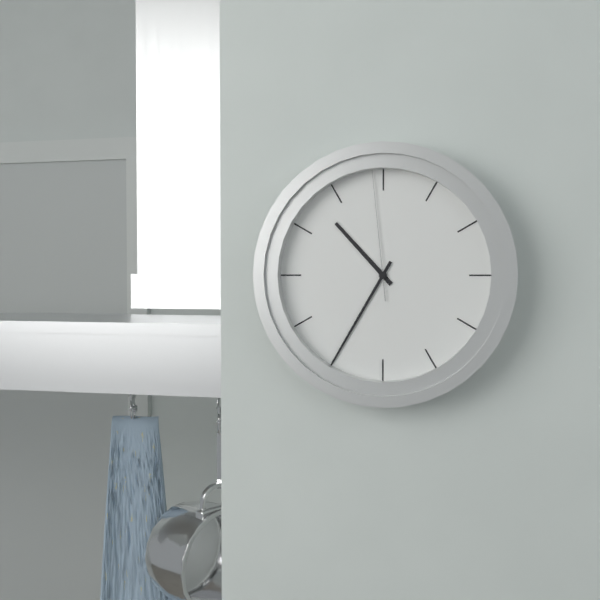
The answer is 10:35:59
